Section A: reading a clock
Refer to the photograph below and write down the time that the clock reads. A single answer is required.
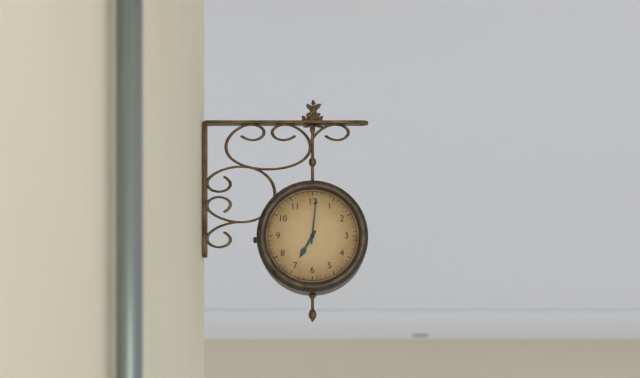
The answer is 7:01
